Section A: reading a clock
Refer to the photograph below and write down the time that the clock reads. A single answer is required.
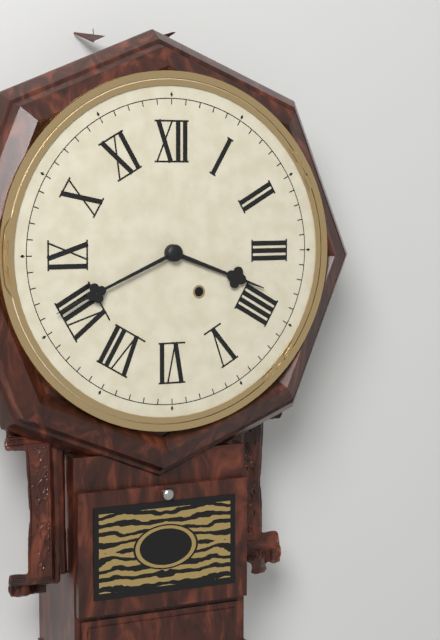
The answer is 3:41
